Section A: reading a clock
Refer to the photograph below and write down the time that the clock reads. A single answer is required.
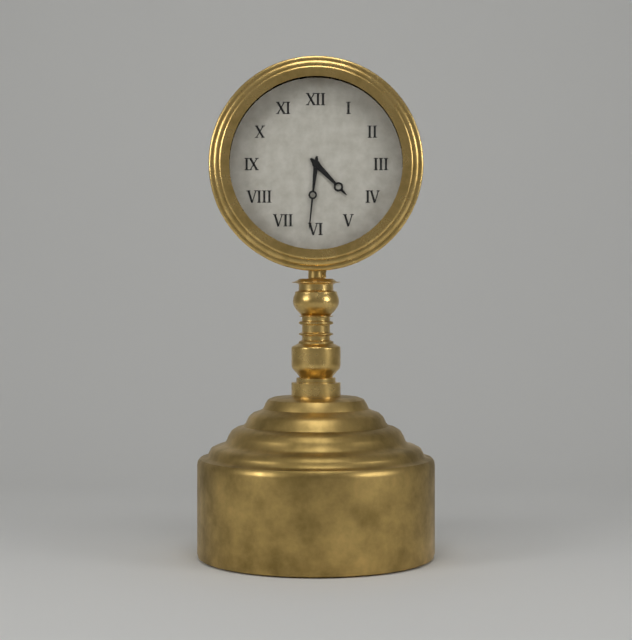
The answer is 4:31
